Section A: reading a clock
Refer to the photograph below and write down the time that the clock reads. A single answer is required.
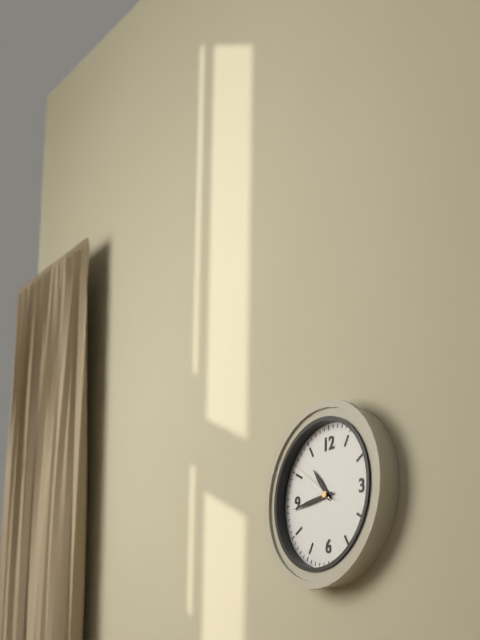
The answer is 10:44:51
